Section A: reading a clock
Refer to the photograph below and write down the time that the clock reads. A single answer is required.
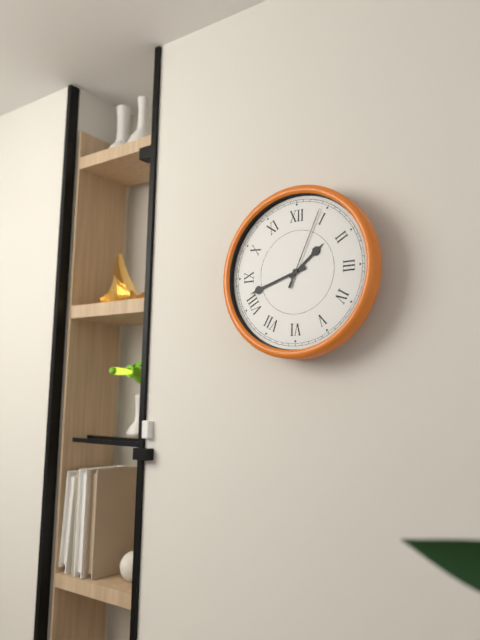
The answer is 1:42:04
